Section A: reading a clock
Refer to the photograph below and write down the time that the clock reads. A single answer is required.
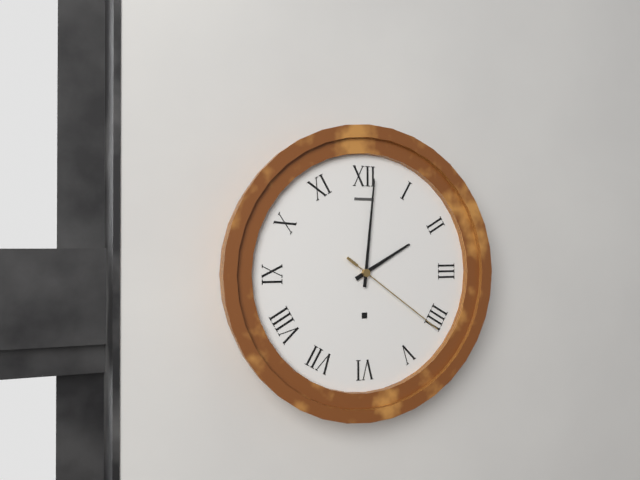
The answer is 2:01:21
